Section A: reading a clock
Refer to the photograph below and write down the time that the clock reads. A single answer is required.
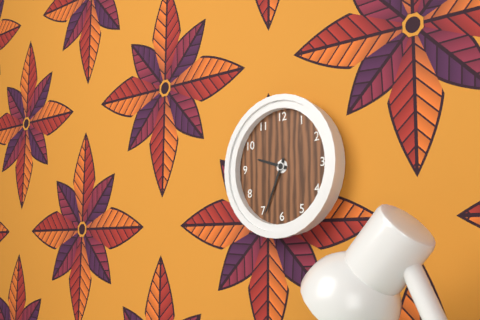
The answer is 9:34
